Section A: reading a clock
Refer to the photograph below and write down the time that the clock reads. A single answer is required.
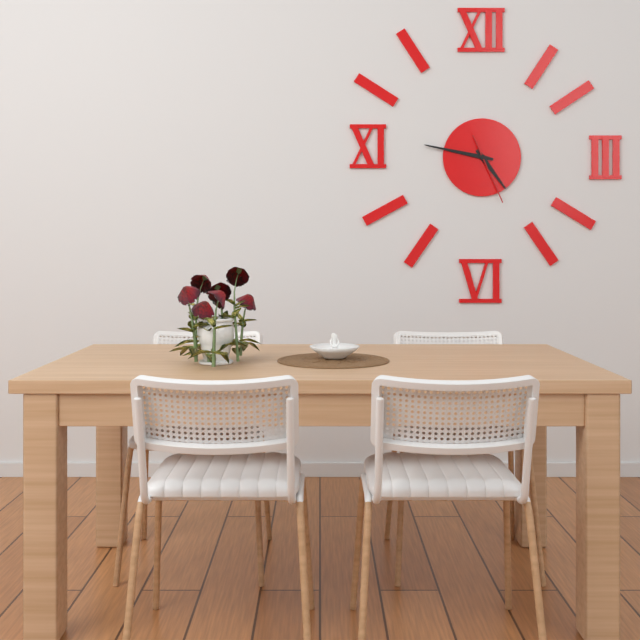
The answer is 4:47:26
